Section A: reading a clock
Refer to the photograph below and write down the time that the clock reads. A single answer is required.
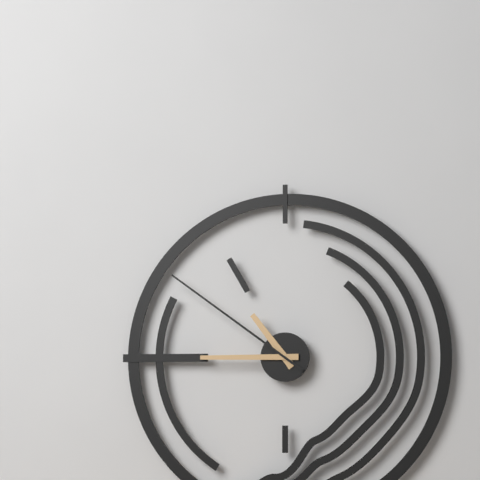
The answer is 10:45:51
